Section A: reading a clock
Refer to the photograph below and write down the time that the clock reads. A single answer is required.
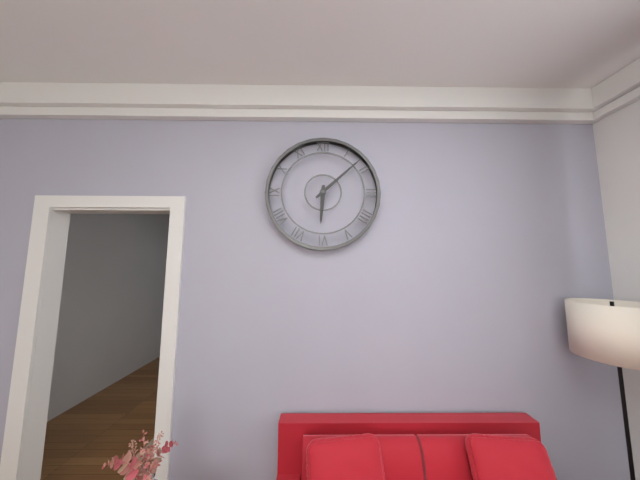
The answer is 6:08
